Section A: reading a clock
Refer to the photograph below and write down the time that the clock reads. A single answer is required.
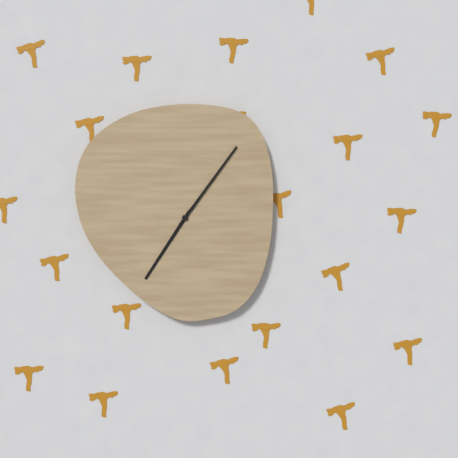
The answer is 7:06
